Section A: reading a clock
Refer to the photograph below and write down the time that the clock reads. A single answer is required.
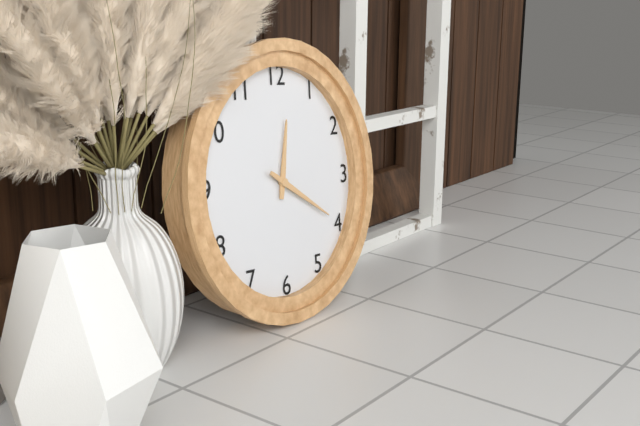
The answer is 12:20
